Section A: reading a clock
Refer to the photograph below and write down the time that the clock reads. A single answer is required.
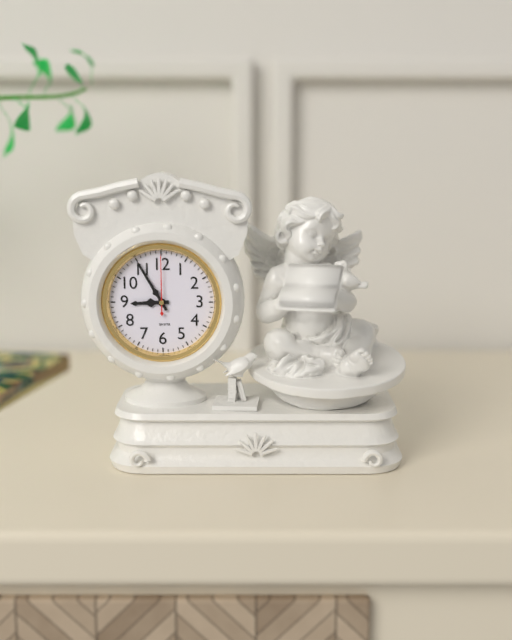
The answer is 8:55:00
